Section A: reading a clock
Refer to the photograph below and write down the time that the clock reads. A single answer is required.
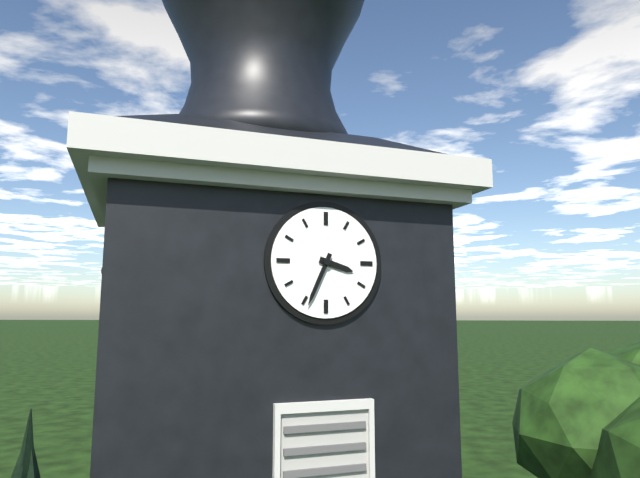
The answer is 3:34
